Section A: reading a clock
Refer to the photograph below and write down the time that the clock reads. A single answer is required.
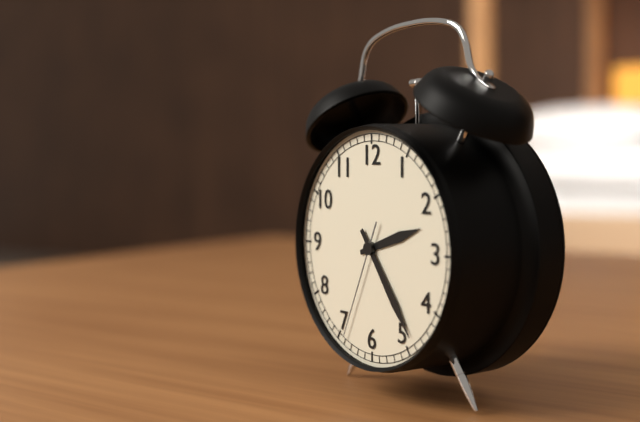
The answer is 2:24:34
